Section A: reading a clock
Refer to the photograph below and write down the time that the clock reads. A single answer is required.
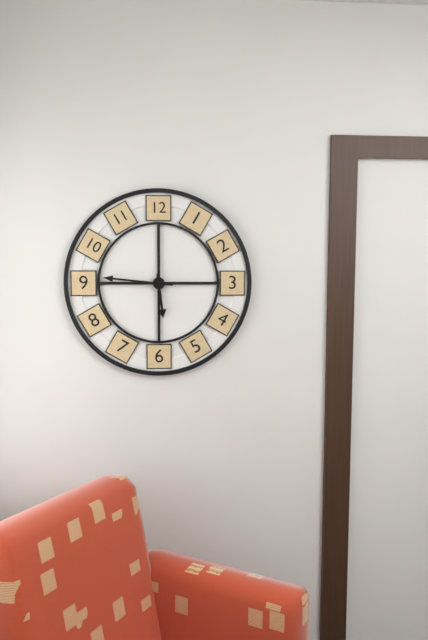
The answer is 5:46
